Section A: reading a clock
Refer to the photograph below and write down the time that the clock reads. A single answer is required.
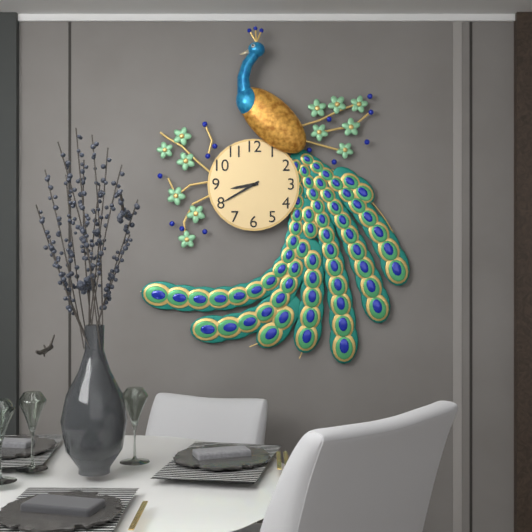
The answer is 8:40
